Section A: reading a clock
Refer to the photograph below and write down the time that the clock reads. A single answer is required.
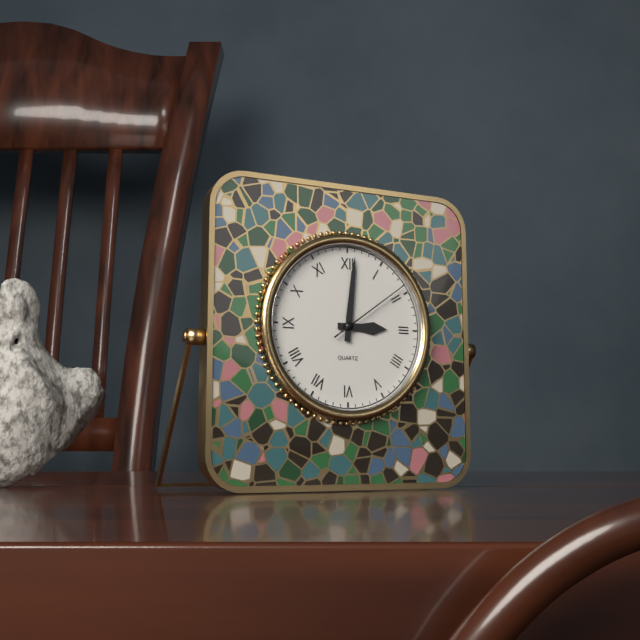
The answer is 3:01:09
